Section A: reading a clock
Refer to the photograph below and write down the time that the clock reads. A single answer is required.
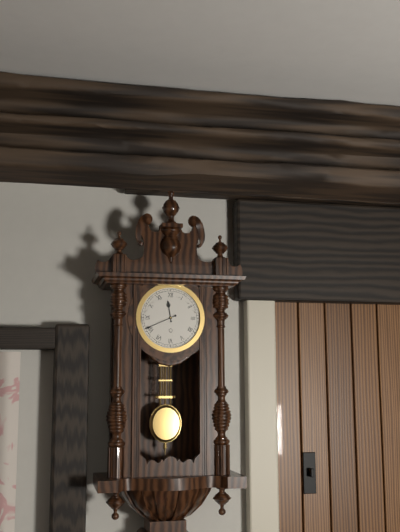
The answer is 11:41
